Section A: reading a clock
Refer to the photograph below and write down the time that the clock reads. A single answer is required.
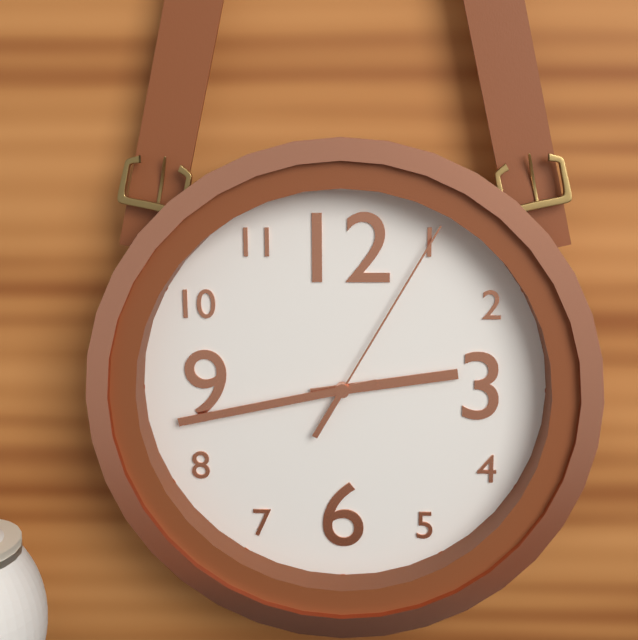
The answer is 2:43:05
